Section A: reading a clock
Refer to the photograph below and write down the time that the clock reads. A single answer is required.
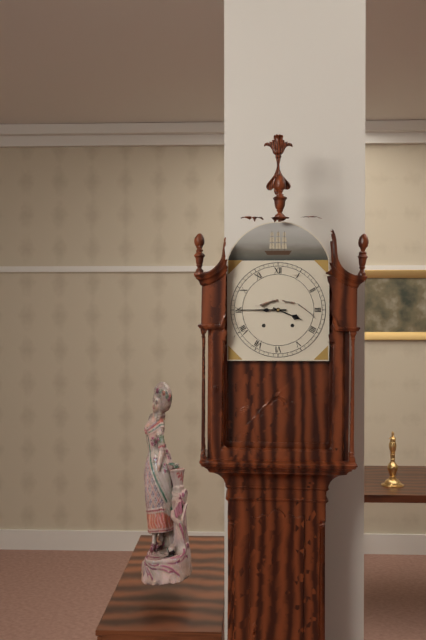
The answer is 3:45
